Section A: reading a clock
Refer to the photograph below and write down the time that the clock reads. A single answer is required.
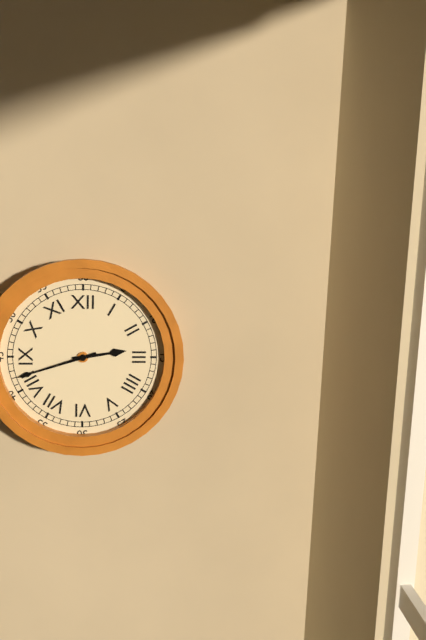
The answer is 2:42
